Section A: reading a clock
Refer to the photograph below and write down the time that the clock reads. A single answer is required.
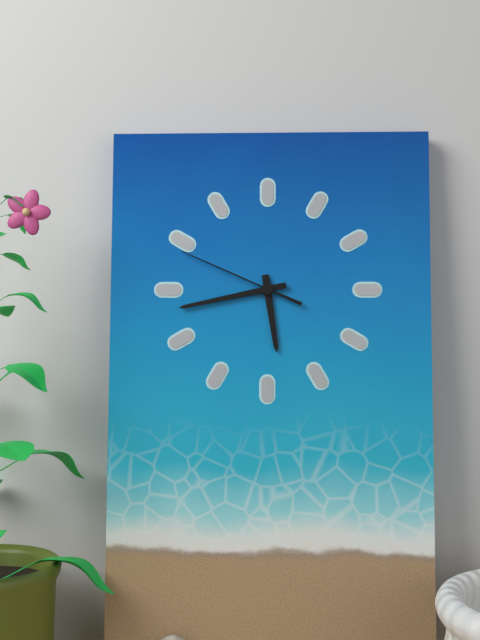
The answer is 5:43:49
